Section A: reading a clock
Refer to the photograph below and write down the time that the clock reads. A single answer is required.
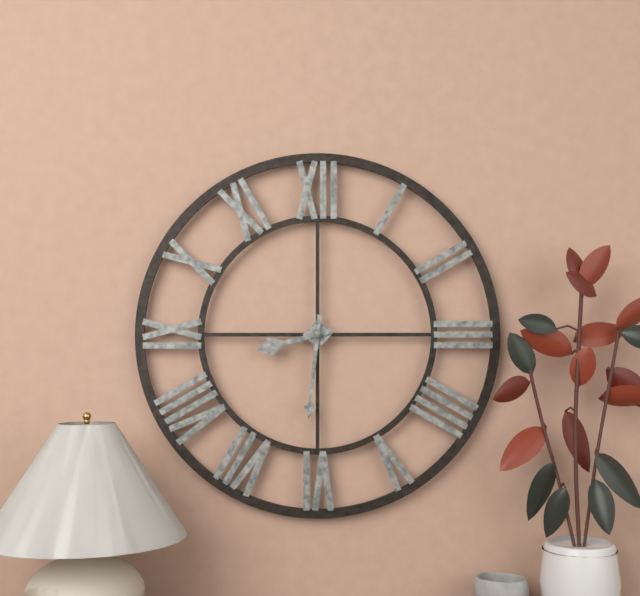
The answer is 8:31
